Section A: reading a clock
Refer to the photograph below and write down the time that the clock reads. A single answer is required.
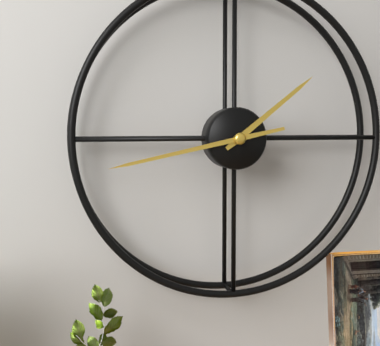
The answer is 1:43
